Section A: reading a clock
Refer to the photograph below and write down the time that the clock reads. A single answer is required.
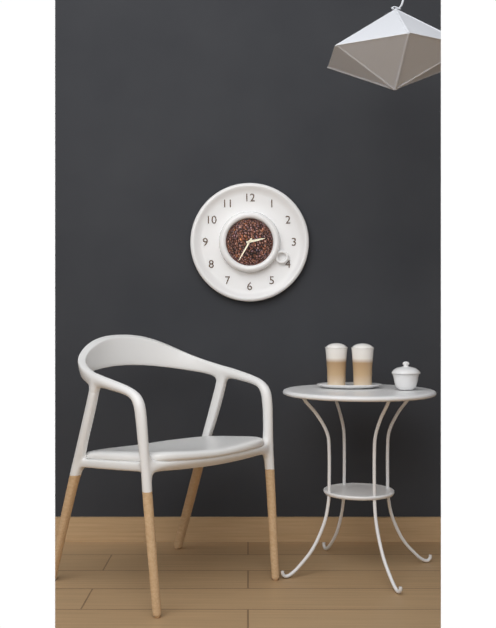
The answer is 2:35
